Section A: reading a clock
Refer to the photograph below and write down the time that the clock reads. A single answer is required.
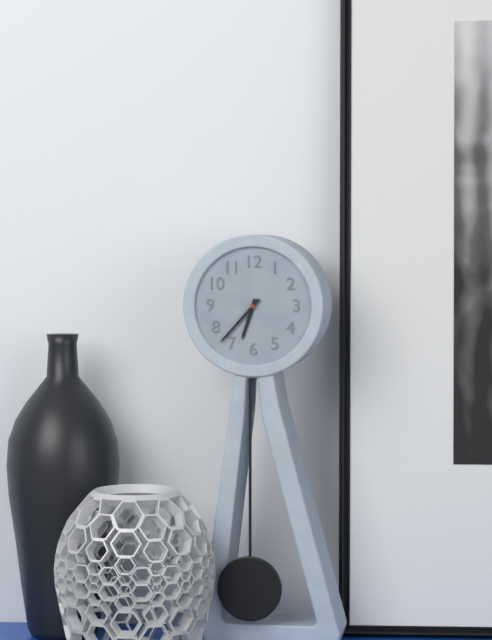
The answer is 6:37
